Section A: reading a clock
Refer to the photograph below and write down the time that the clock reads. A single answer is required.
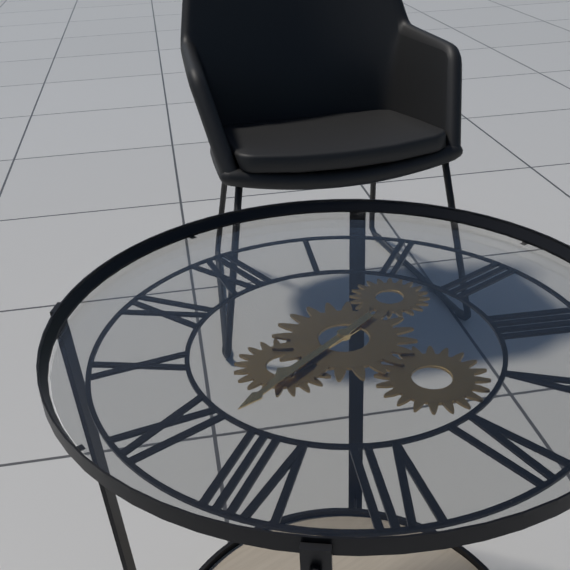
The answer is 8:43
